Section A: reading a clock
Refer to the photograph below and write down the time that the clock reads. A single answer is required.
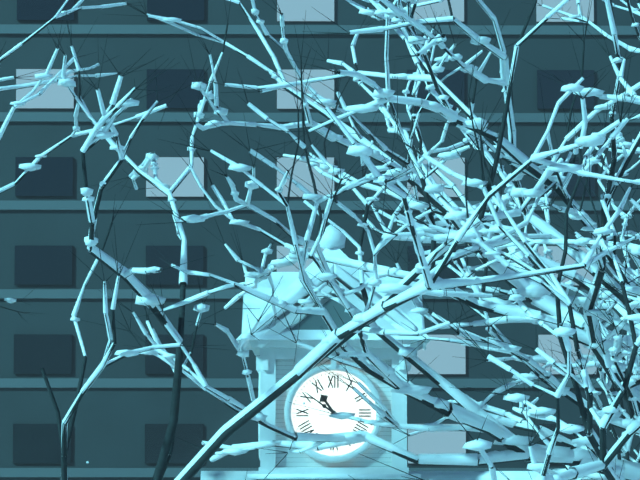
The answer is 10:51
